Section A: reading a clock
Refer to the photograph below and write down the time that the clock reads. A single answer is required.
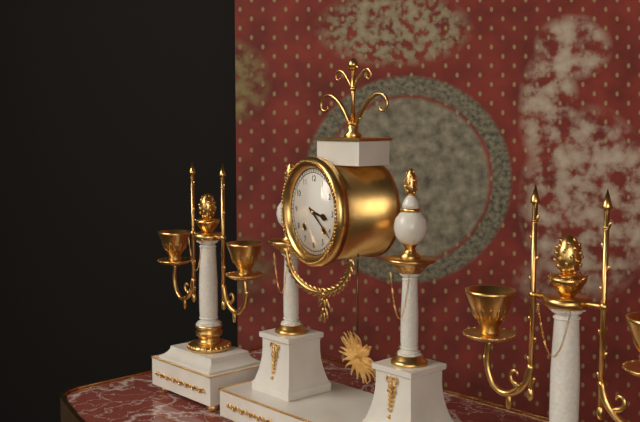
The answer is 3:21
